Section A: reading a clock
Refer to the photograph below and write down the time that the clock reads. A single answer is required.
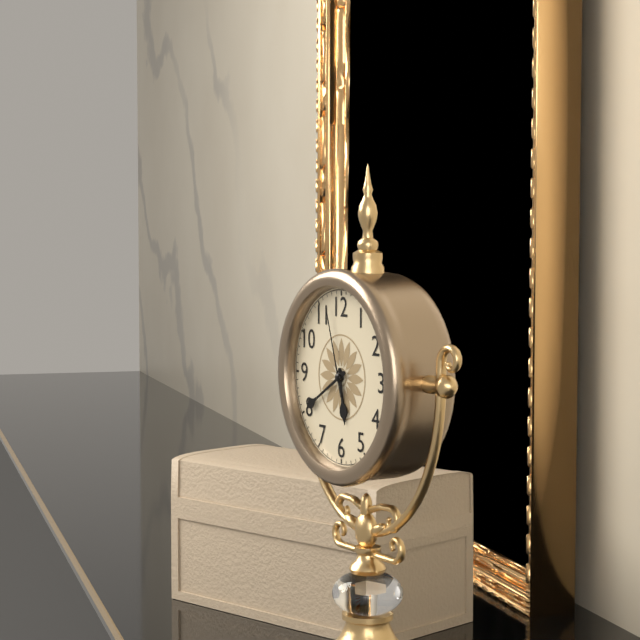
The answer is 5:40:57
